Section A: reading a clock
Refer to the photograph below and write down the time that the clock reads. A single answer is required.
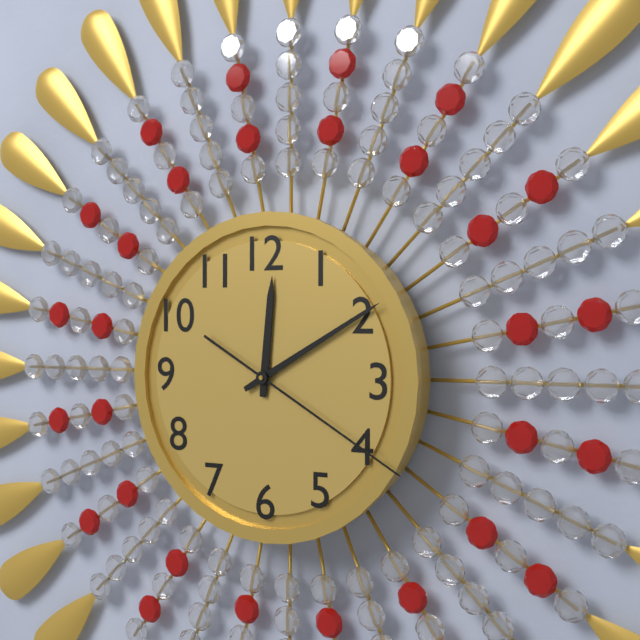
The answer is 12:10:20
